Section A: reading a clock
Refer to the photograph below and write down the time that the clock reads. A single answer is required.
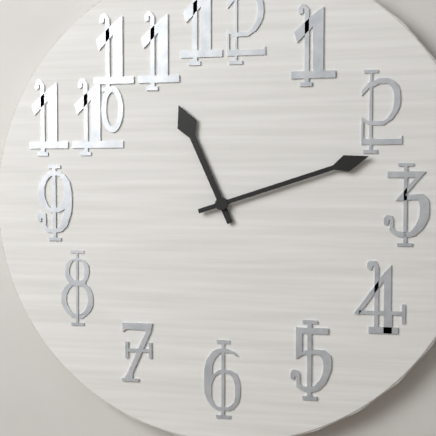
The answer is 11:12
